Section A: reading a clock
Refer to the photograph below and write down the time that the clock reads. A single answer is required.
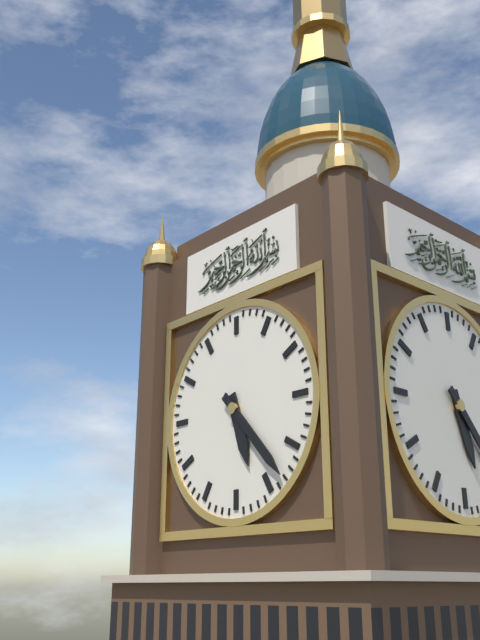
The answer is 5:23
